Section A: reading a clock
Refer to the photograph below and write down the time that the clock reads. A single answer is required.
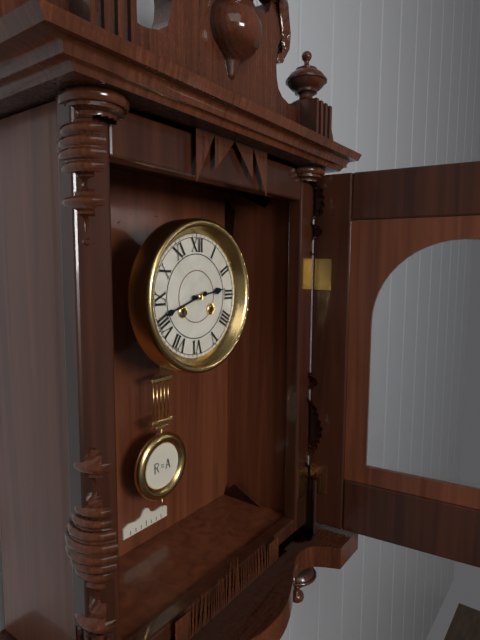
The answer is 2:42
